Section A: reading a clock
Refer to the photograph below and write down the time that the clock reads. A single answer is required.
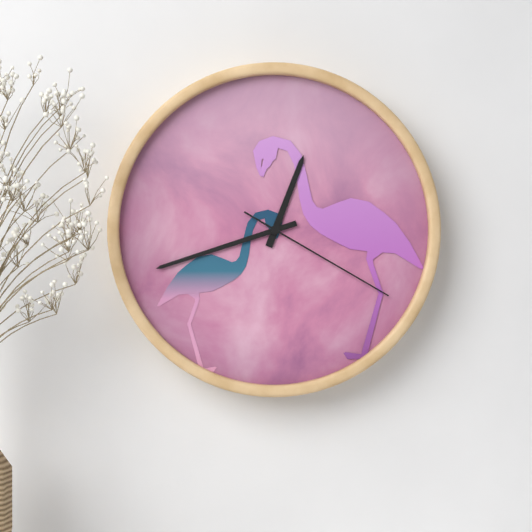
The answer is 12:42:20
